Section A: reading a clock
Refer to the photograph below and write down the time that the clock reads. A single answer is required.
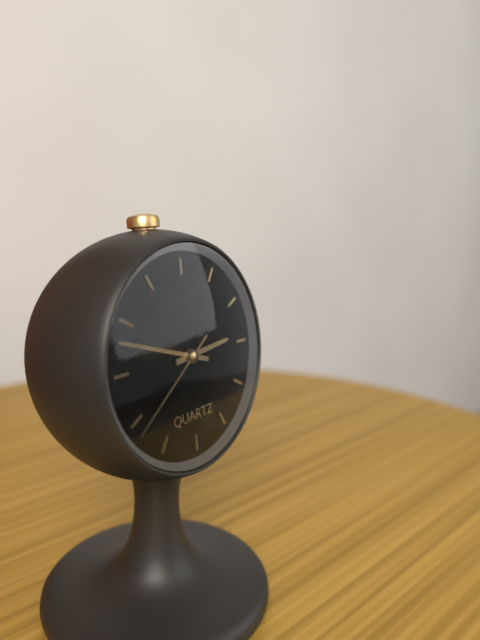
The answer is 2:48:39
